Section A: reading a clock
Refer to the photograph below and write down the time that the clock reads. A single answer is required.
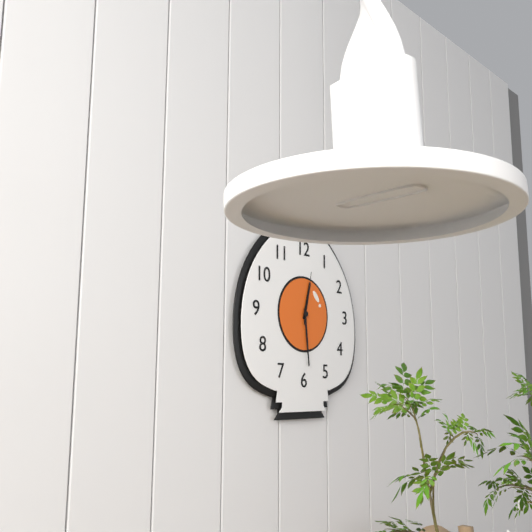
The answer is 12:29:02
